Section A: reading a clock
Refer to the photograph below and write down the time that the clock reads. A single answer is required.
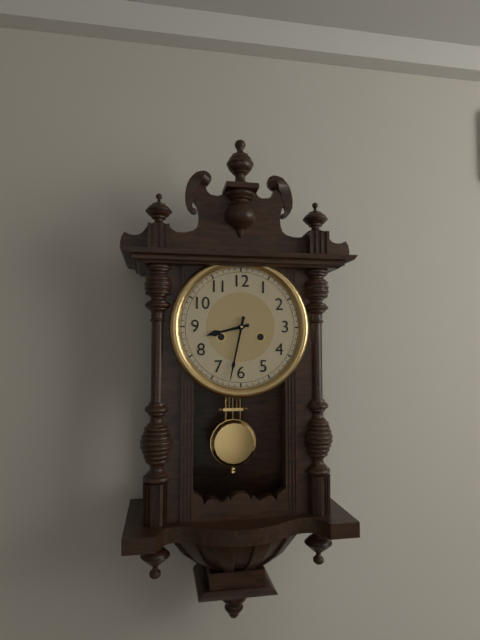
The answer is 8:32
